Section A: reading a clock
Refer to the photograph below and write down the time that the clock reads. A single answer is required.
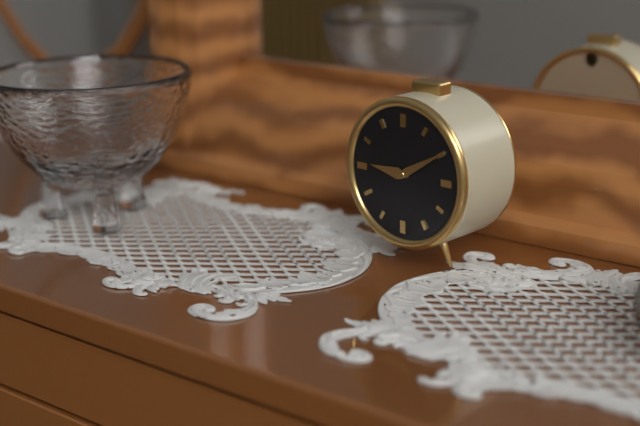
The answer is 9:10
